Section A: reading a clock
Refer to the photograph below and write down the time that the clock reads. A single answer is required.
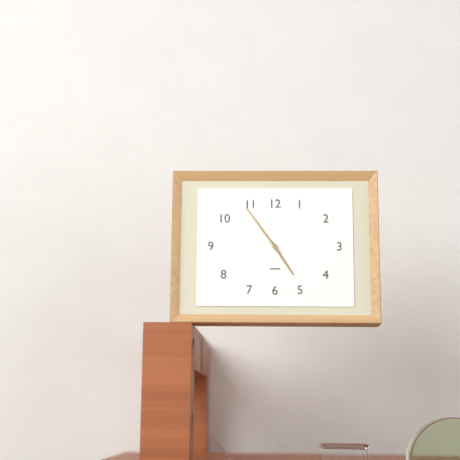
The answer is 4:54
